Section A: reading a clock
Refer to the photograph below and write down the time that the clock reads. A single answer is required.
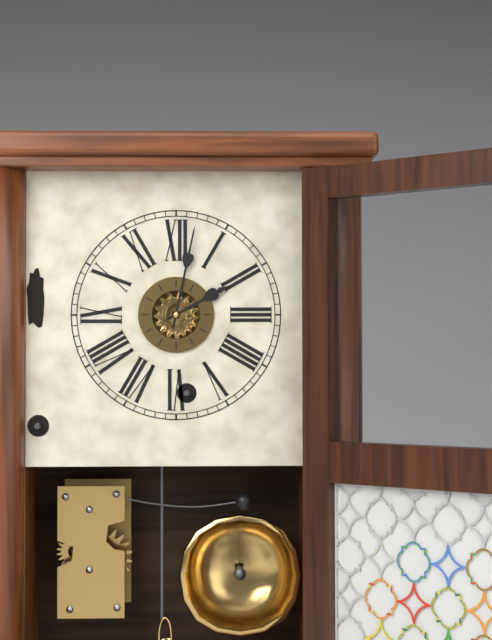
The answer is 2:02
